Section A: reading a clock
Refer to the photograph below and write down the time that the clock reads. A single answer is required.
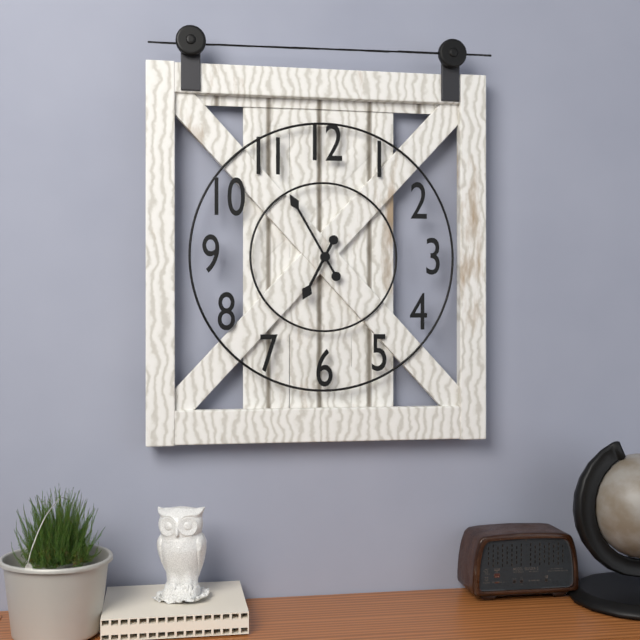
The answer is 6:55
